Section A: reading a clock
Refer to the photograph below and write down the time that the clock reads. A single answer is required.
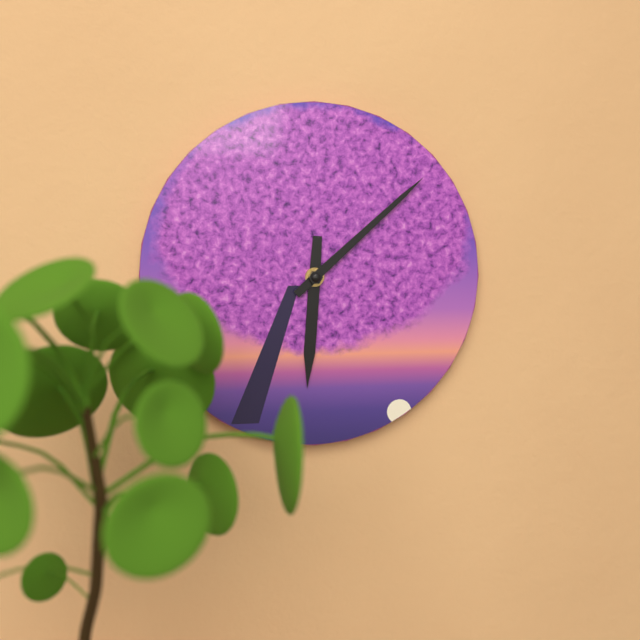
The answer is 6:08
